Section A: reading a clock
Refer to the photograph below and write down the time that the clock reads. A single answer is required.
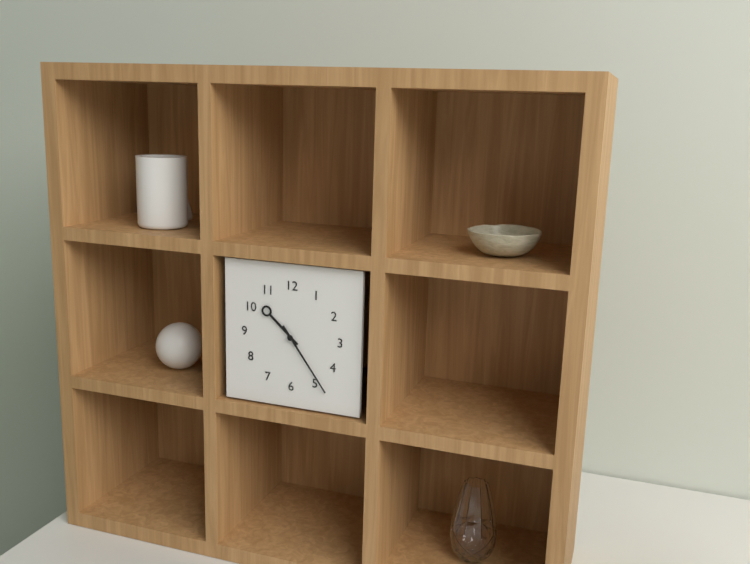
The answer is 10:24
